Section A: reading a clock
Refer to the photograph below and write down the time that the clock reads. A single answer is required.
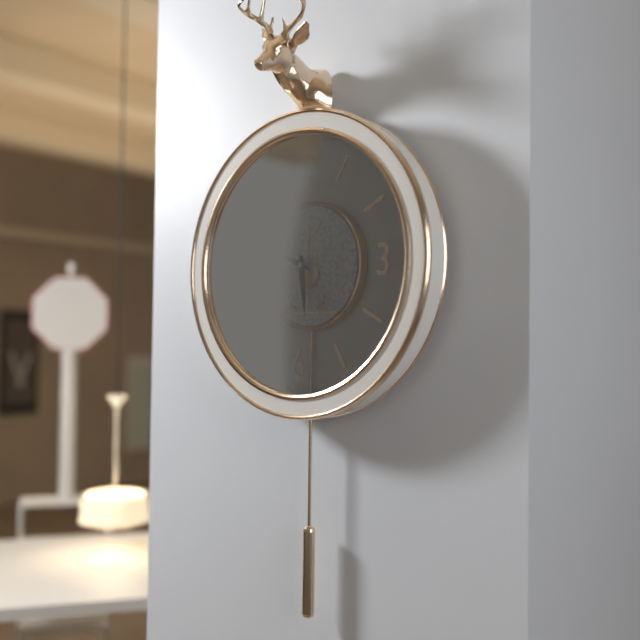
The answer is 5:49
